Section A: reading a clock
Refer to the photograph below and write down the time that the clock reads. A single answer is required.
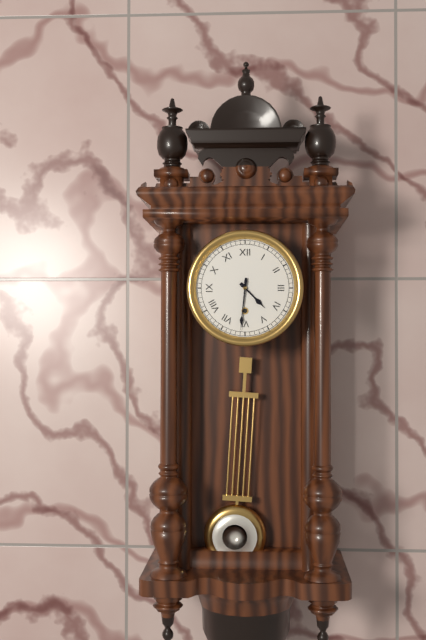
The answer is 4:31
